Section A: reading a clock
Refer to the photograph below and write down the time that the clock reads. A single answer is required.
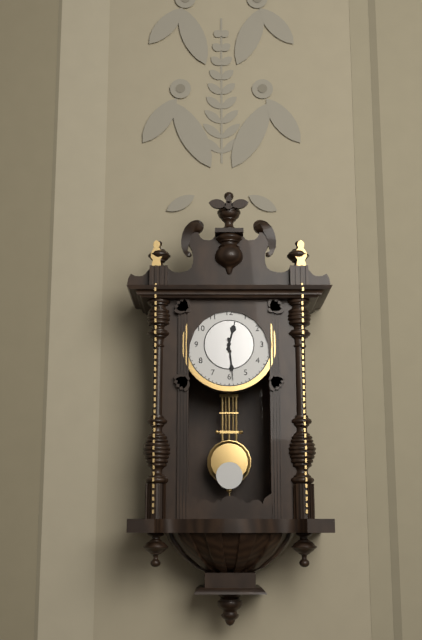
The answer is 12:29
